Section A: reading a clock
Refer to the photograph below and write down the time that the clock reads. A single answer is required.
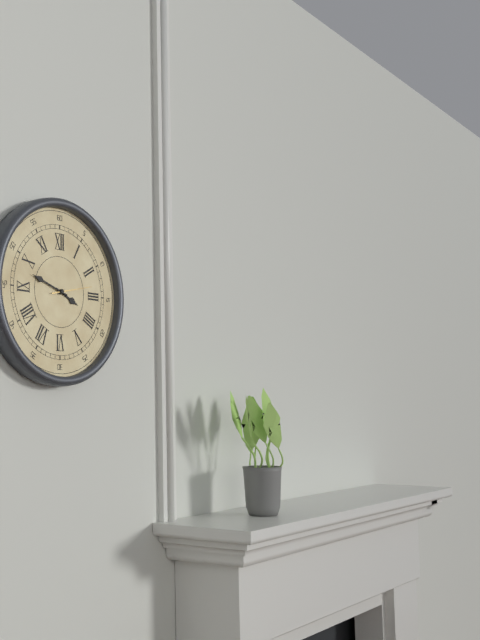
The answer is 3:48
